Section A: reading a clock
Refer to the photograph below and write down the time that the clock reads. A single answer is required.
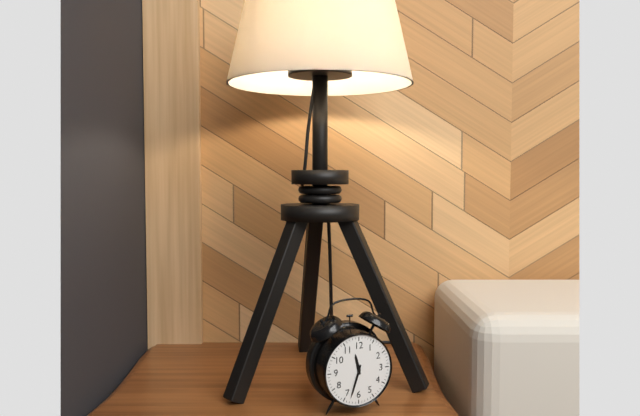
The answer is 11:33
